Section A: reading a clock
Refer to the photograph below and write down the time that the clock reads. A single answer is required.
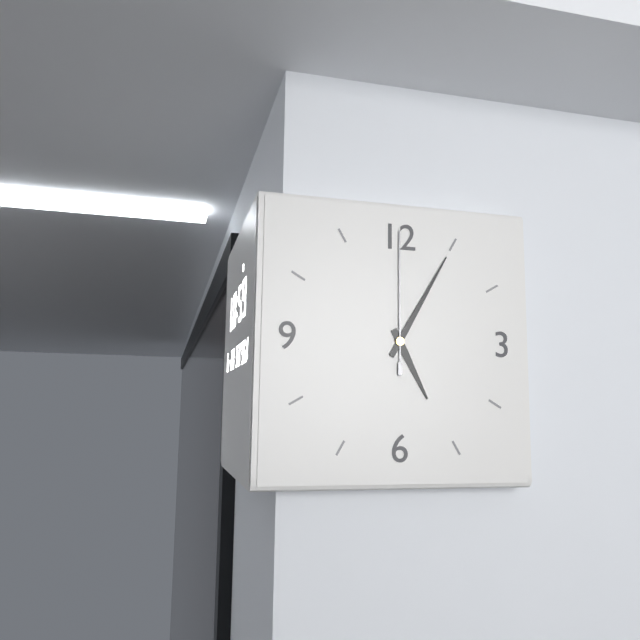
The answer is 5:05:00
